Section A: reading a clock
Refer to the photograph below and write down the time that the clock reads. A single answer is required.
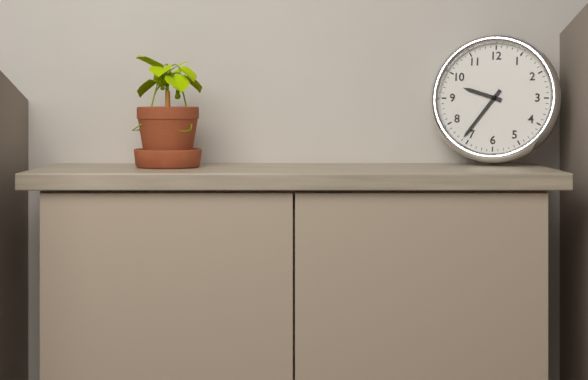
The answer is 9:36
